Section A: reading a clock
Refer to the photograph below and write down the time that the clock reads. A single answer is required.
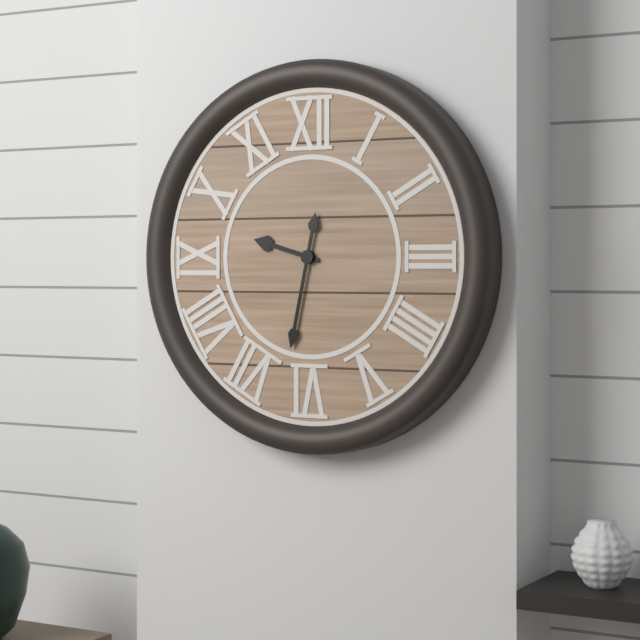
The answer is 9:32
